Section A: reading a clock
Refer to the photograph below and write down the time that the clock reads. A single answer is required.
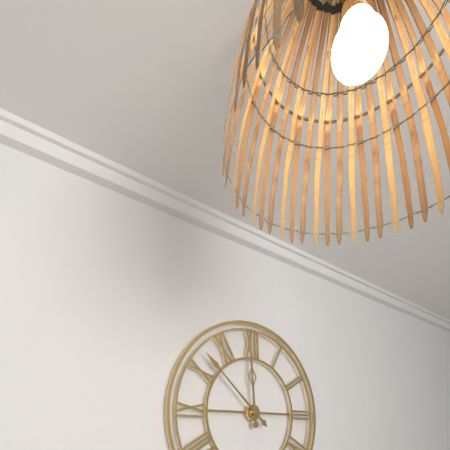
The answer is 11:52
